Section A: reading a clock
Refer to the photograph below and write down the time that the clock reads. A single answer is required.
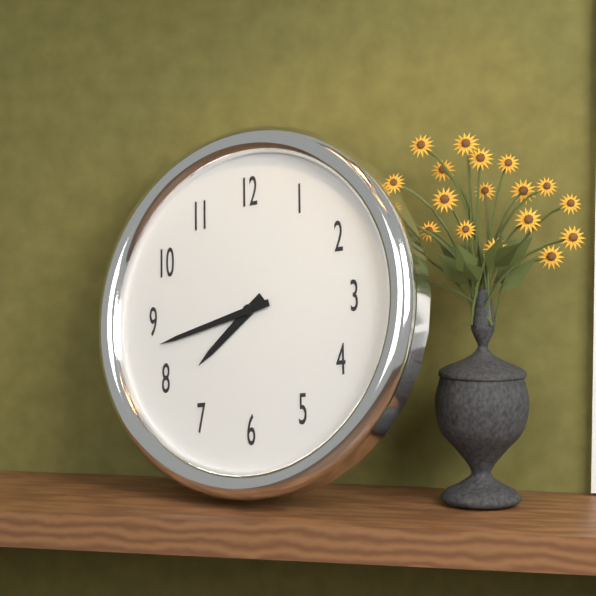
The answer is 7:43
